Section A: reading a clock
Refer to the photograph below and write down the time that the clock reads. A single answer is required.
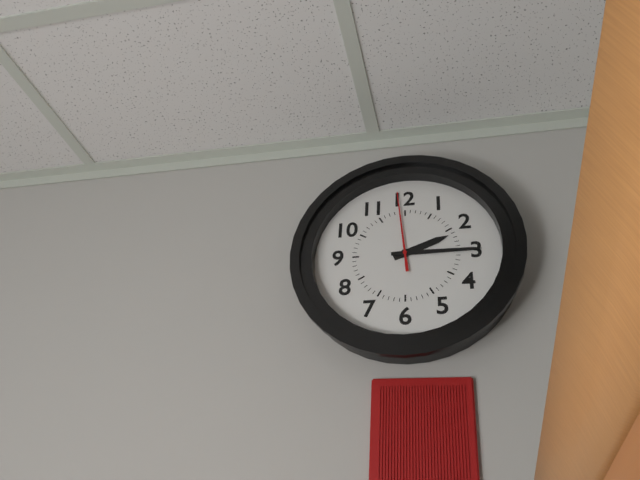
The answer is 2:15:59
